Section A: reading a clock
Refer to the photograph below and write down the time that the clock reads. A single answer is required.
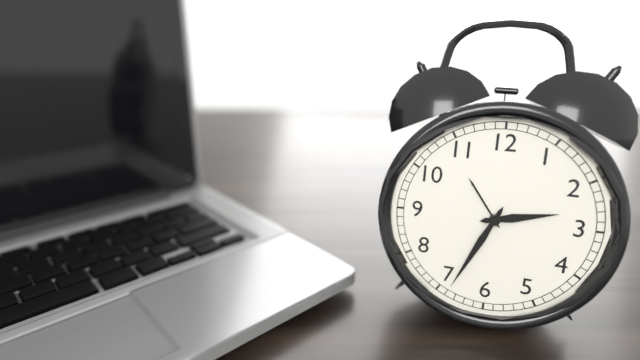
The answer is 2:34
